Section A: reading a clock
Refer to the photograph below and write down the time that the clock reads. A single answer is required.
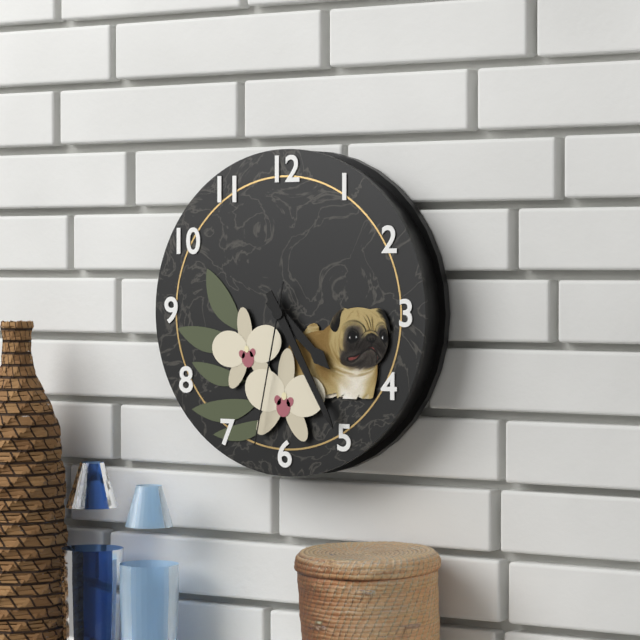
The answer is 4:25:32
